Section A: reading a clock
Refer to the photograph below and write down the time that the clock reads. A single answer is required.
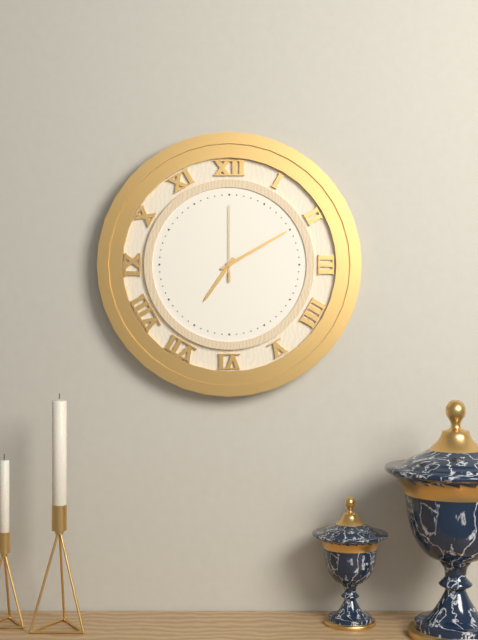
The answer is 7:10:00
